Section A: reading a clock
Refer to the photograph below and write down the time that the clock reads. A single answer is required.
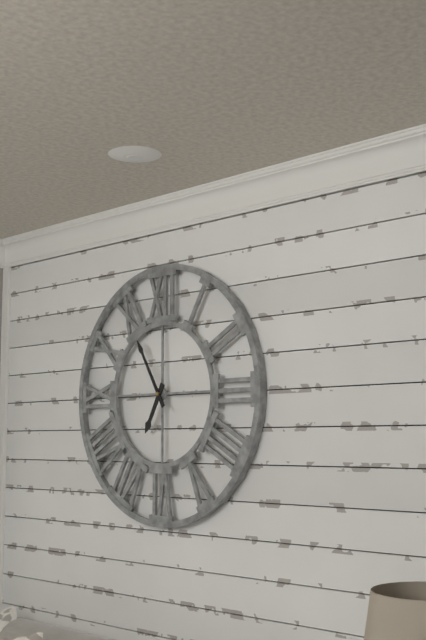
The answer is 6:55
